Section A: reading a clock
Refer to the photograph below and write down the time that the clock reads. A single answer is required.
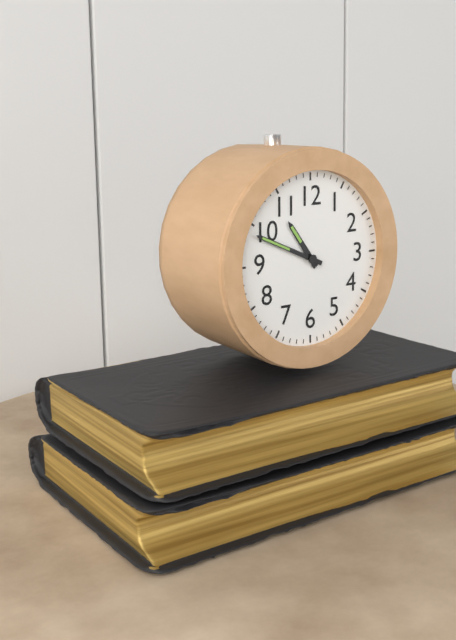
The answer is 10:49
